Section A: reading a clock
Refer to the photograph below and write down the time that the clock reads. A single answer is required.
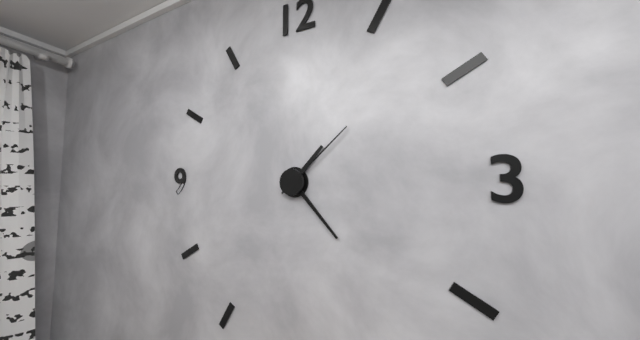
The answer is 1:23:08
